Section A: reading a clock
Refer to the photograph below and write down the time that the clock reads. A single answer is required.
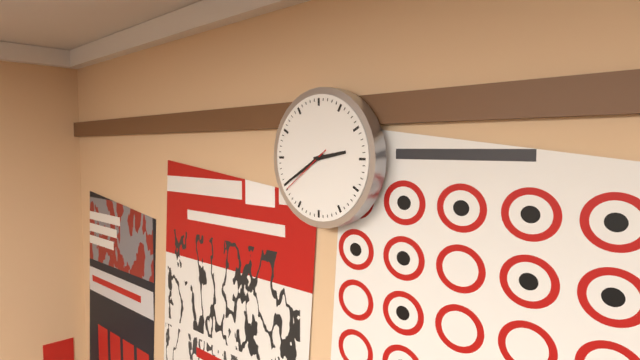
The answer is 2:40:39
